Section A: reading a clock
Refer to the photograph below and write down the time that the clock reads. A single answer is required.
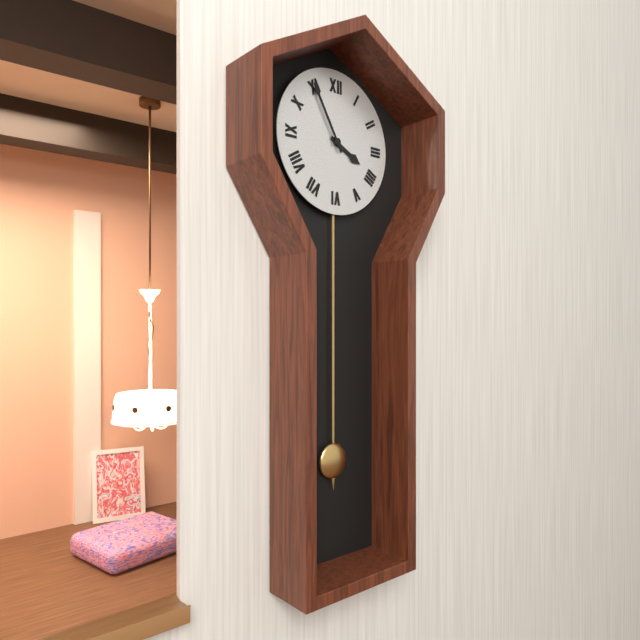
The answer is 3:55
